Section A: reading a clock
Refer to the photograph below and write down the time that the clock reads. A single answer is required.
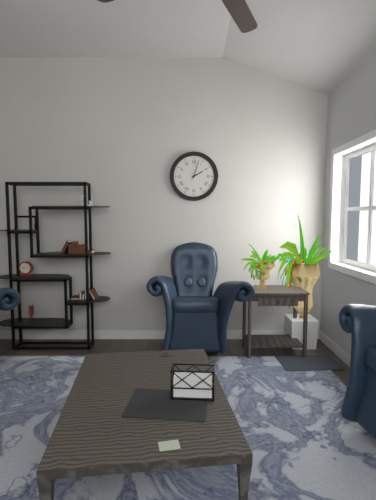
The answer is 2:03
